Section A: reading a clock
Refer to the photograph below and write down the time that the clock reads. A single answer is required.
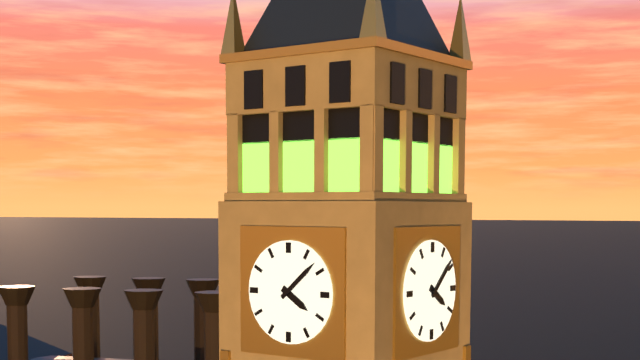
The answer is 4:08
